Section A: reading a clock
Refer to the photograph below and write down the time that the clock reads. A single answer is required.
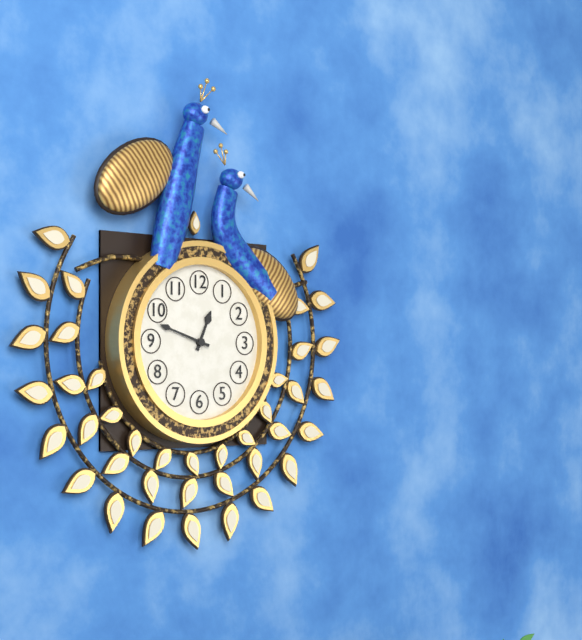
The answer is 12:48
